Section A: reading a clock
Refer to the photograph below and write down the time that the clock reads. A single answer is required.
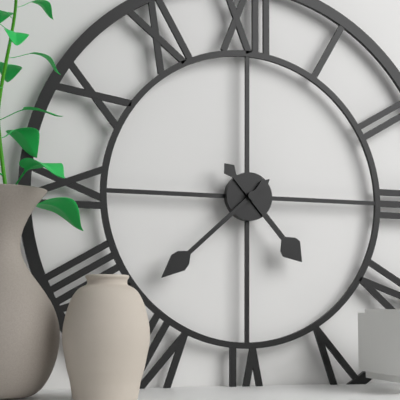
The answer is 4:38
